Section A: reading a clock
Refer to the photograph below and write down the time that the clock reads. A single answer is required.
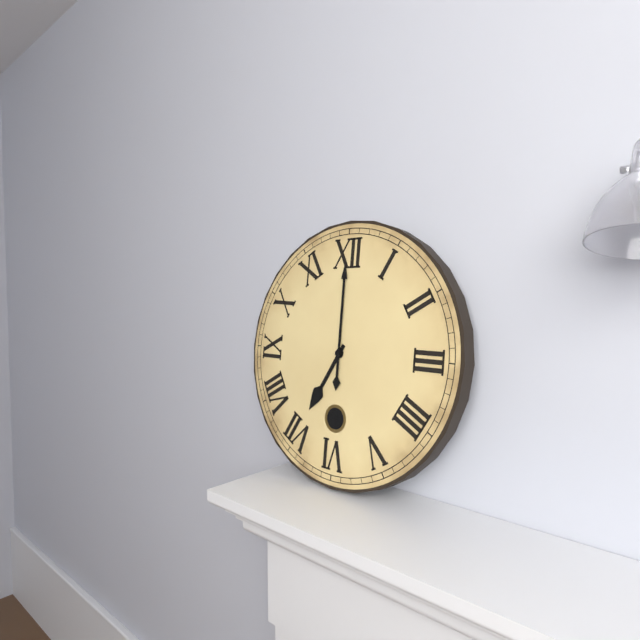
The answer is 7:00
